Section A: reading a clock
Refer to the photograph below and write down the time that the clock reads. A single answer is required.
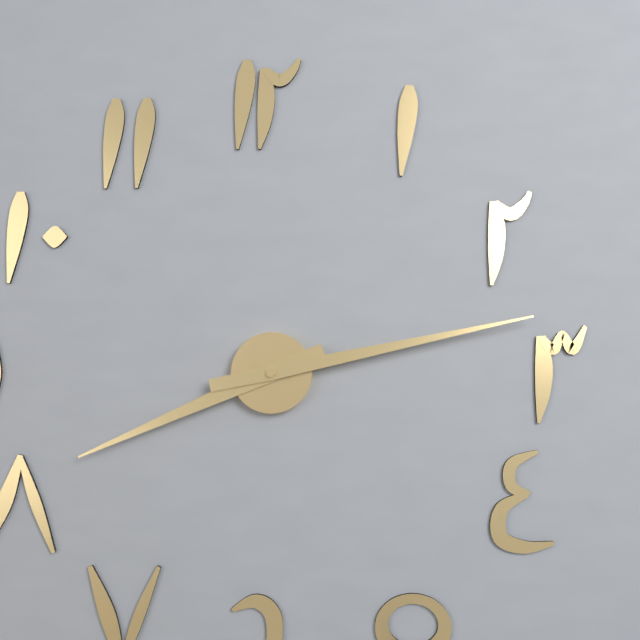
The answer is 8:13
